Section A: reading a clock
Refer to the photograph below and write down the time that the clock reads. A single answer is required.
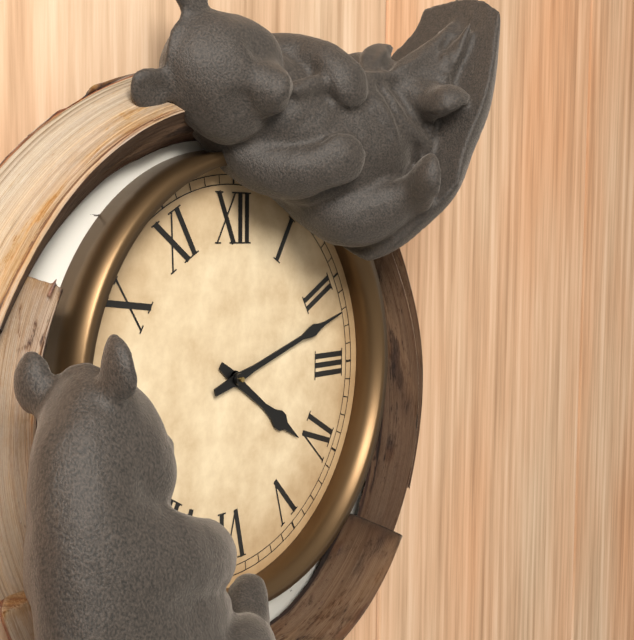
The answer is 4:12
